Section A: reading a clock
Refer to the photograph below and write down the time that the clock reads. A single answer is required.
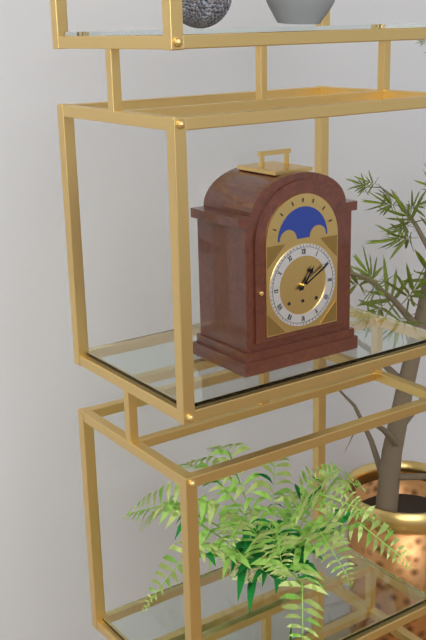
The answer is 1:10
